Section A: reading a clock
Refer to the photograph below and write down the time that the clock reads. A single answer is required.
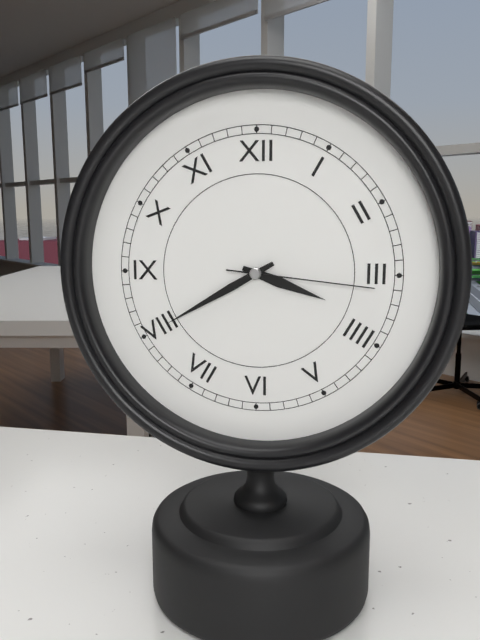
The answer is 3:40:16
